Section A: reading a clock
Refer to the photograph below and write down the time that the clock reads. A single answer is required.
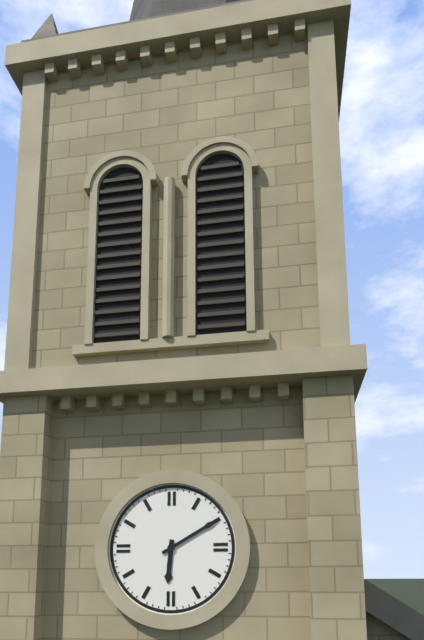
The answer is 6:10
